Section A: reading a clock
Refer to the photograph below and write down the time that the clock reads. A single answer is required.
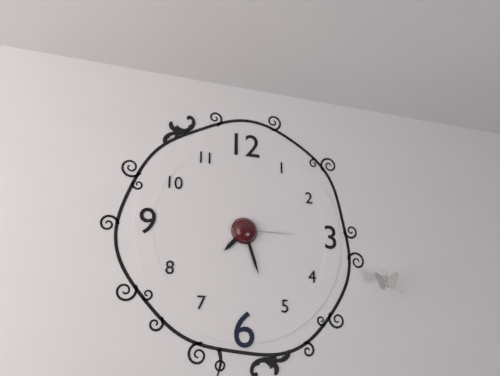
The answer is 7:27:15
